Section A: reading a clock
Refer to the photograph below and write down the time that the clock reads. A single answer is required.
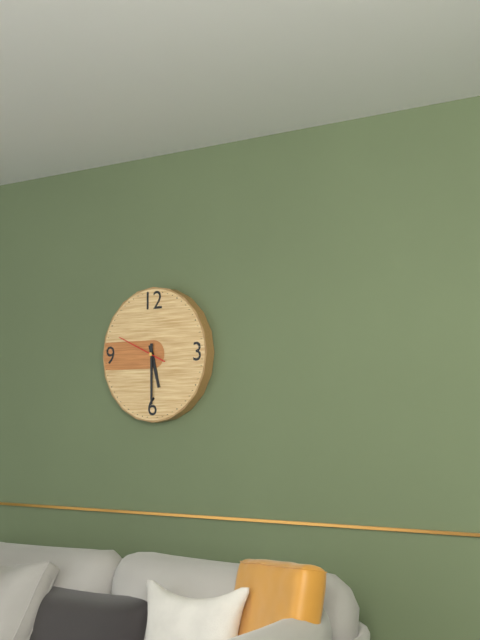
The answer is 5:30
